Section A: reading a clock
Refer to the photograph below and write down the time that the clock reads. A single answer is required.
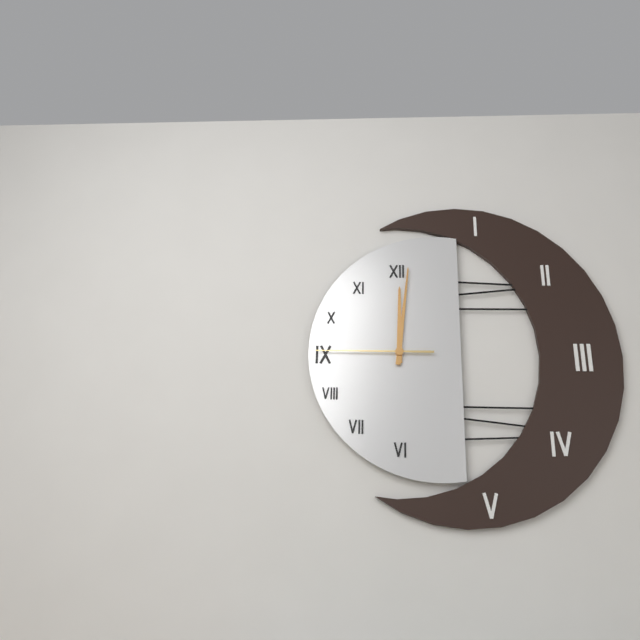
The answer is 12:01:45
